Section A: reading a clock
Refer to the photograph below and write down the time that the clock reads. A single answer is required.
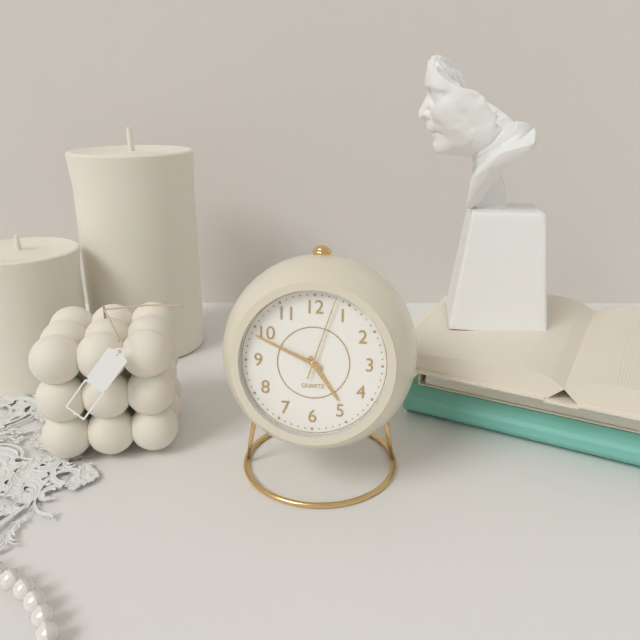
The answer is 4:49:03
